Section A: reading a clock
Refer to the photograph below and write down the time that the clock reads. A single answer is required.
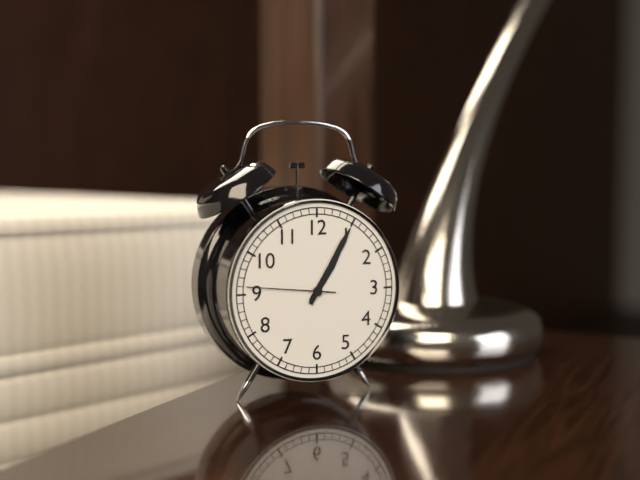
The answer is 1:05:46
